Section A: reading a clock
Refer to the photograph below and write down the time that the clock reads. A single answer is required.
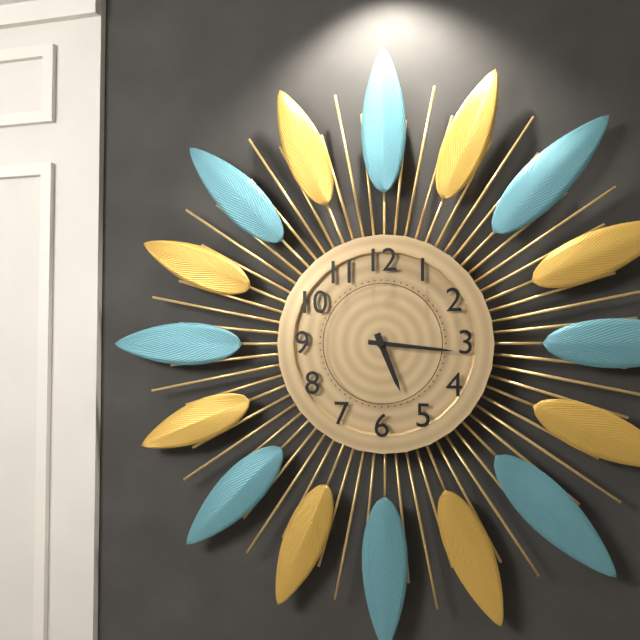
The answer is 5:16
